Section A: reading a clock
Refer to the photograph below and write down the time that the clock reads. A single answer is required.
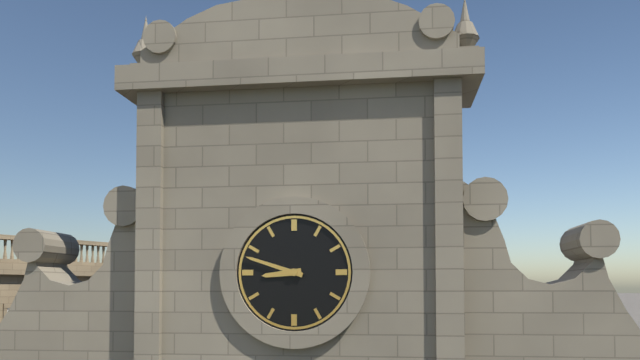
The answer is 8:48
